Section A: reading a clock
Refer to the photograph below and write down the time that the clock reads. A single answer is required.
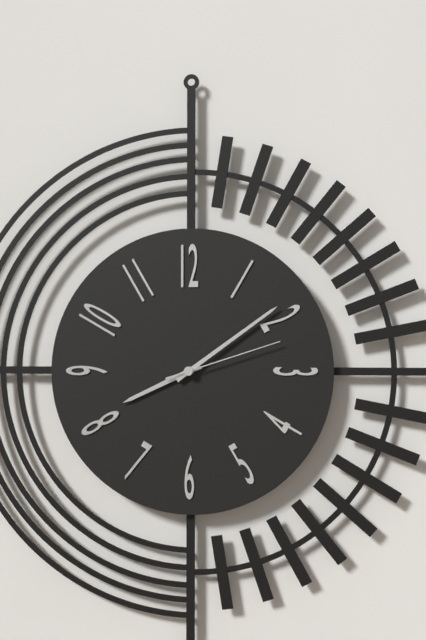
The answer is 8:09:12
